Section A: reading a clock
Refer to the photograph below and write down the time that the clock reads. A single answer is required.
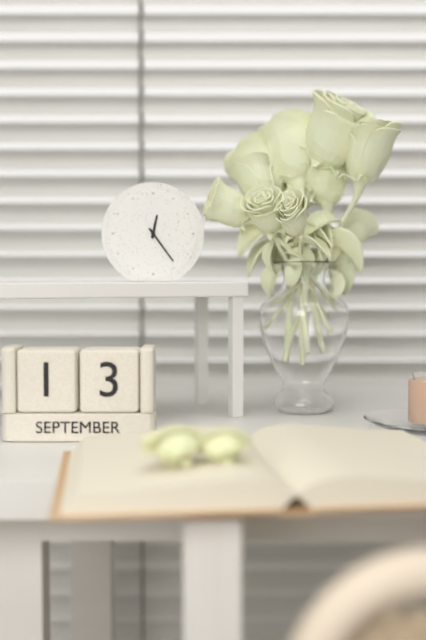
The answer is 12:24
